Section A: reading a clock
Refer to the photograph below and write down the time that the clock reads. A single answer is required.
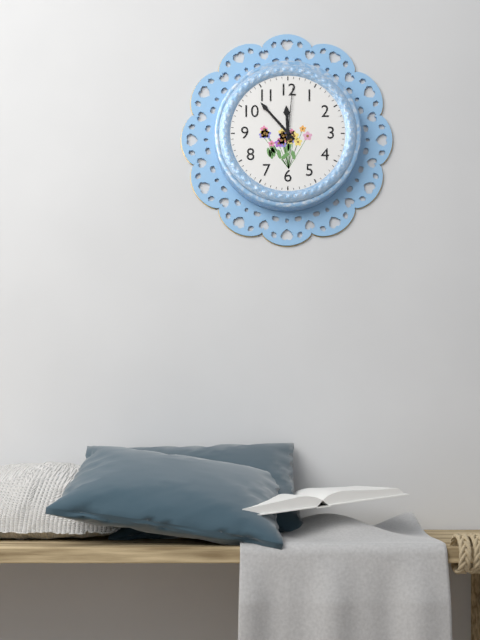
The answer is 11:53:01
